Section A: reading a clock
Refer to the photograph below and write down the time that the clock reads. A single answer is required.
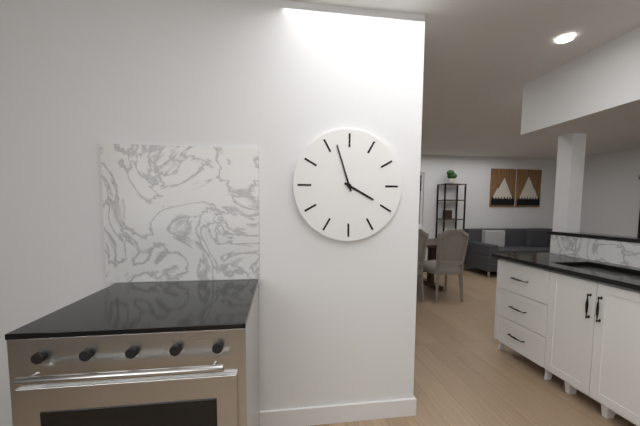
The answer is 3:57
